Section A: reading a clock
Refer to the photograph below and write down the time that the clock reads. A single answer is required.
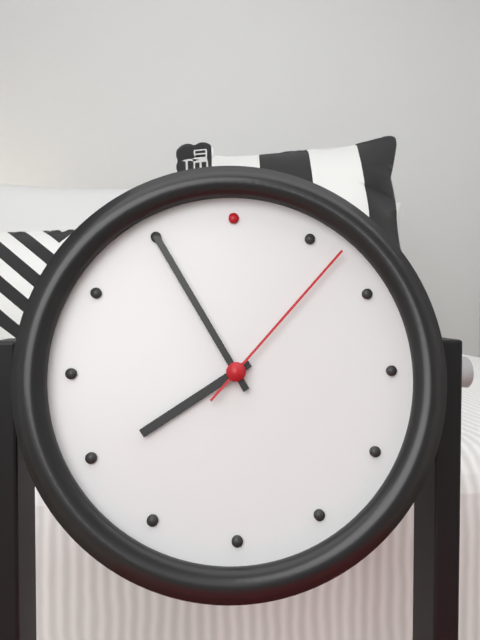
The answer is 7:55:07
